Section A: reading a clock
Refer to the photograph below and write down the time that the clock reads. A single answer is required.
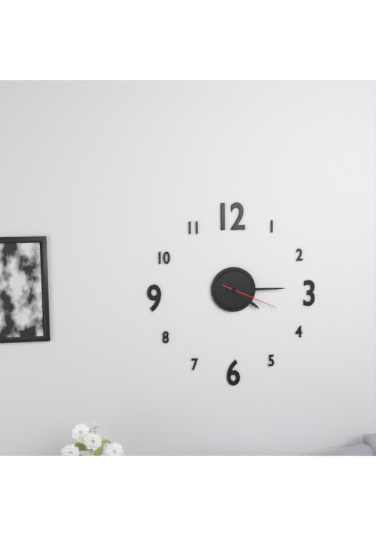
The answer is 4:15:19
